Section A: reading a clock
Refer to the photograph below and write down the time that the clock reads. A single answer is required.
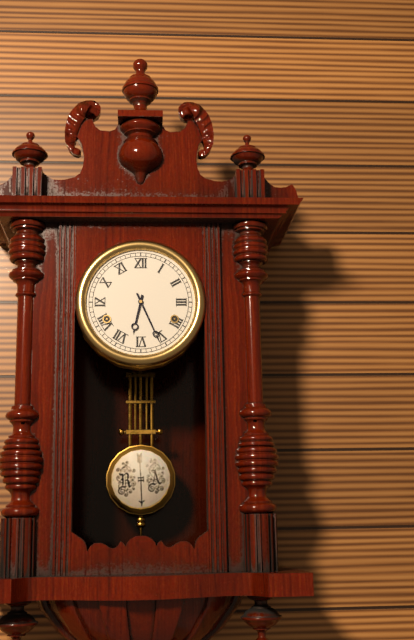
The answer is 6:26
